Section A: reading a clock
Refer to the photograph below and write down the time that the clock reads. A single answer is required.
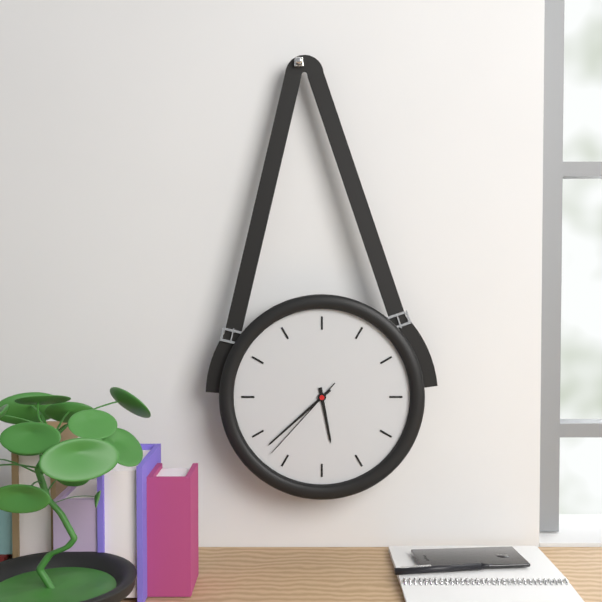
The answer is 5:38:37
